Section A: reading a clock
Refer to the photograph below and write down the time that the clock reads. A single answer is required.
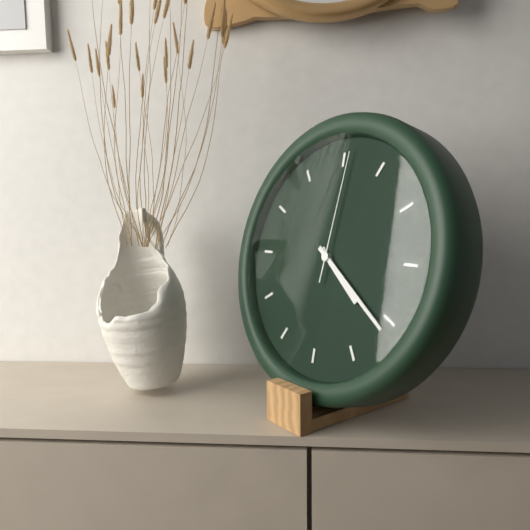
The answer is 4:21:01
